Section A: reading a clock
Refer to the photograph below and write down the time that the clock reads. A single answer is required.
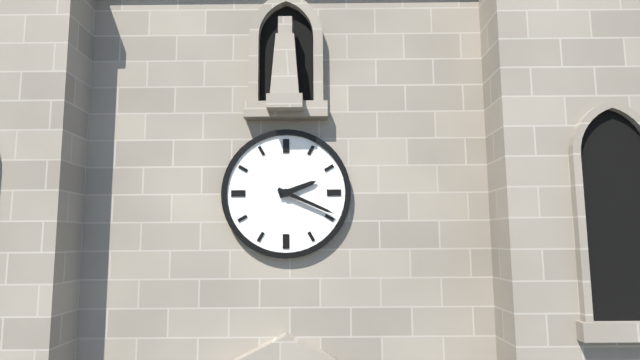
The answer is 2:19
